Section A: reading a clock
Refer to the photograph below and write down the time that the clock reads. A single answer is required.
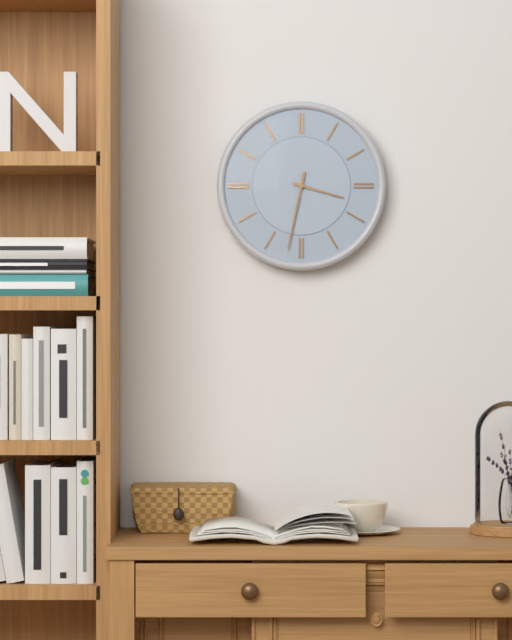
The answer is 3:32
